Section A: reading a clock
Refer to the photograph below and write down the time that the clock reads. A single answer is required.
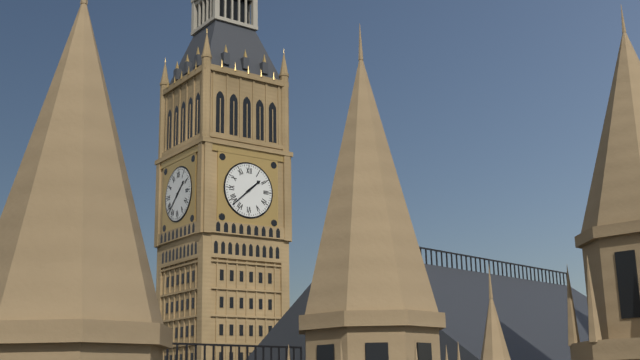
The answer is 1:38
